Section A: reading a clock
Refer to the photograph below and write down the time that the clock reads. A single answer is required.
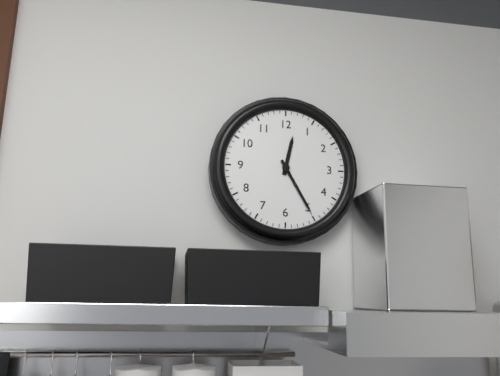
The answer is 12:25
